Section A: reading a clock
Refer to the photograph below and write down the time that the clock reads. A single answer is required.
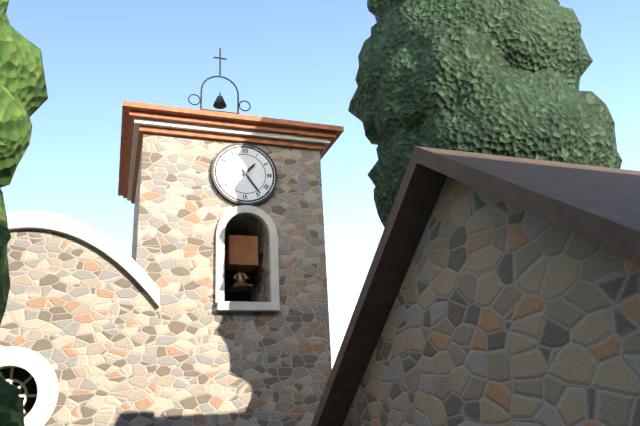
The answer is 1:24
